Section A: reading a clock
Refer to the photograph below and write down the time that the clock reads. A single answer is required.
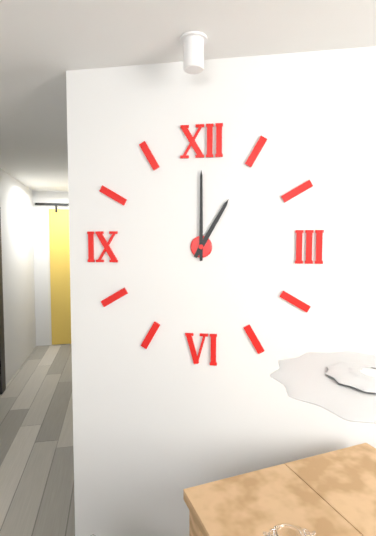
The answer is 1:00
